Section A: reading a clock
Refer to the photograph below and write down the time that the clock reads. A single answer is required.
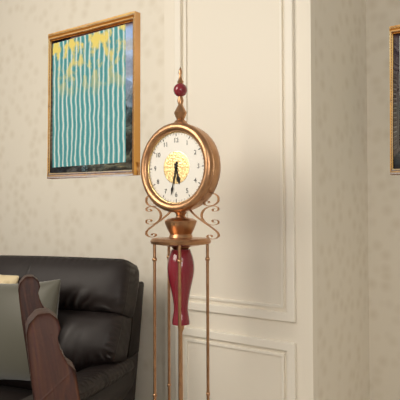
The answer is 5:32
